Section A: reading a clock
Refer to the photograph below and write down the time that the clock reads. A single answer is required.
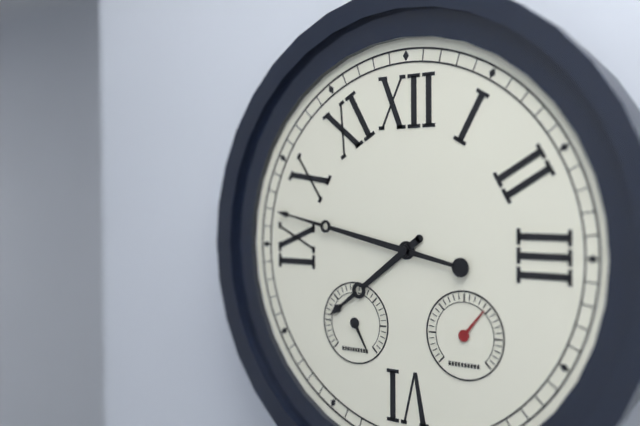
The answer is 7:47
